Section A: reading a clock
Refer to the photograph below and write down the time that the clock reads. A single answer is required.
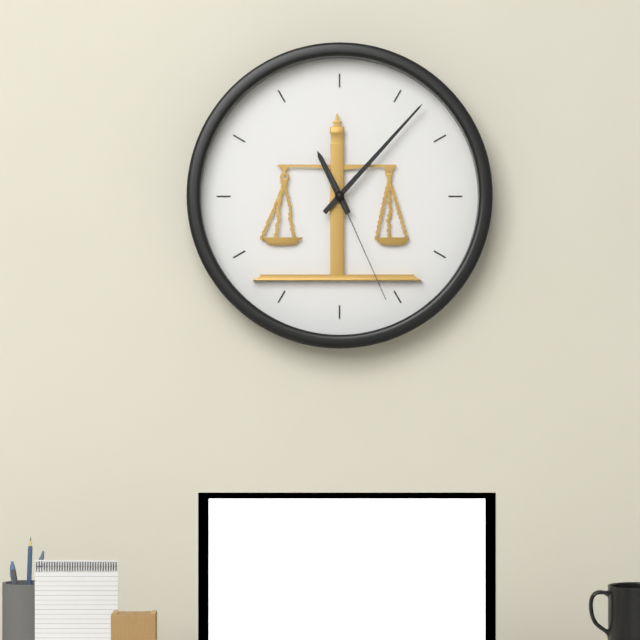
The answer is 11:07:26
